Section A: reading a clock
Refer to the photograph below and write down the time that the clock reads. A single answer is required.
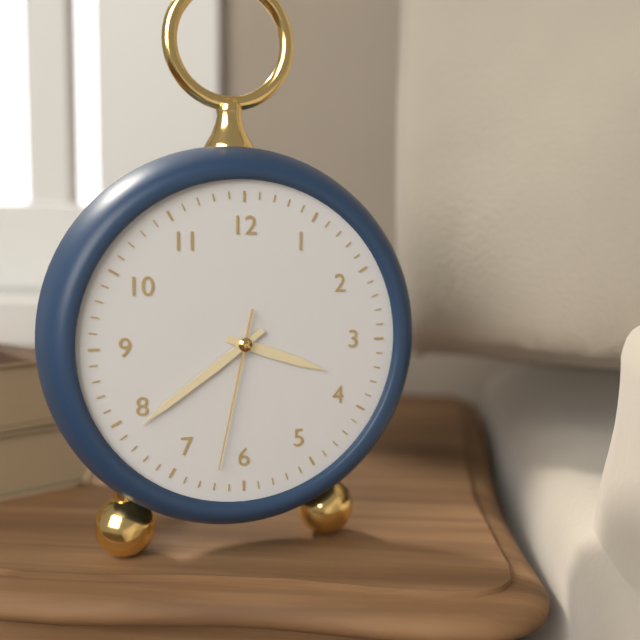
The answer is 3:39:32
